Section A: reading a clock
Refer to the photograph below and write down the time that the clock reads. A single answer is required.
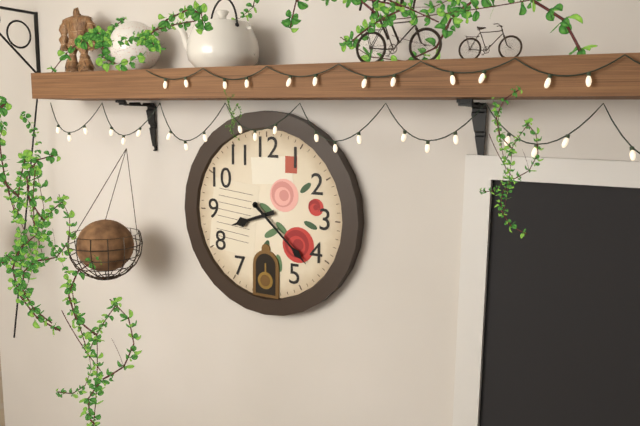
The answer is 8:22
